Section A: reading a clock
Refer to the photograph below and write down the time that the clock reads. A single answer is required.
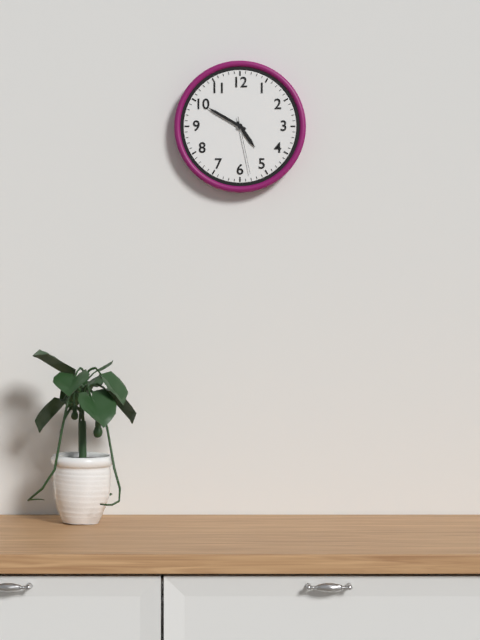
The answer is 4:50:28
